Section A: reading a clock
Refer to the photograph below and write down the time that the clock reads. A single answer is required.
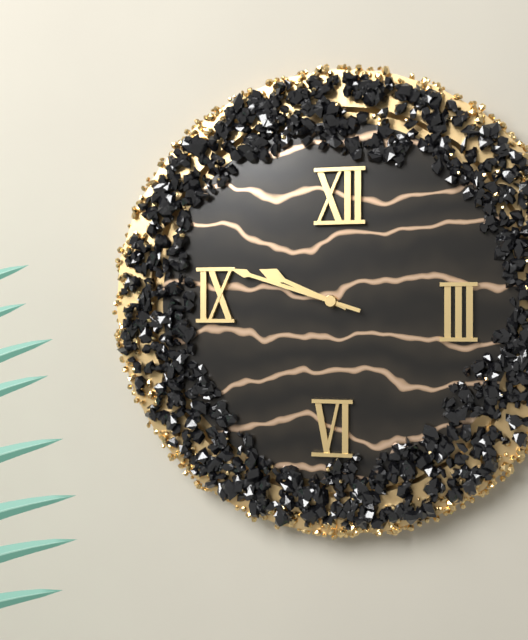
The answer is 9:48
